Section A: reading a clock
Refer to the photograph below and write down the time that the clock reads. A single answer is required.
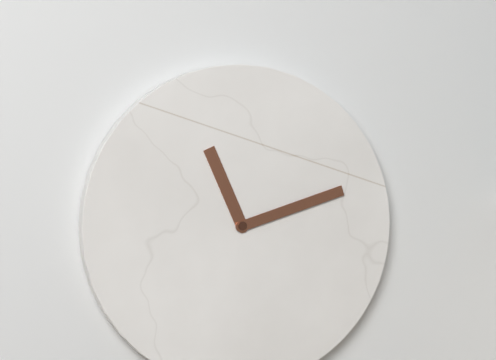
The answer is 11:12
